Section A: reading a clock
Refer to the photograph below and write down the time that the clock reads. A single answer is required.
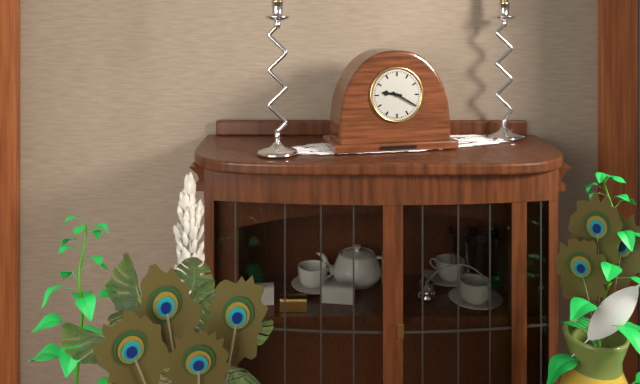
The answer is 9:20
